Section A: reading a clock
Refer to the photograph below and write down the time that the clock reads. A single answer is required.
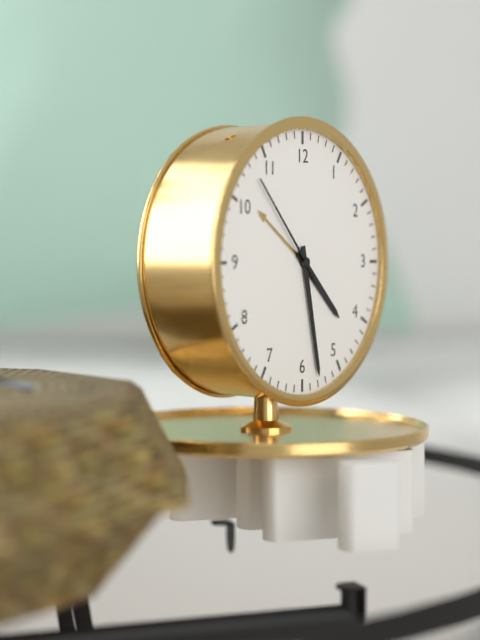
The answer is 4:28:53
